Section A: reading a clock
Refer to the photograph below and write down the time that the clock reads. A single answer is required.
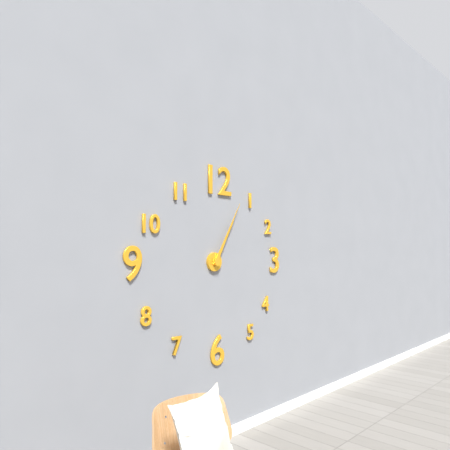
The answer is 1:05
